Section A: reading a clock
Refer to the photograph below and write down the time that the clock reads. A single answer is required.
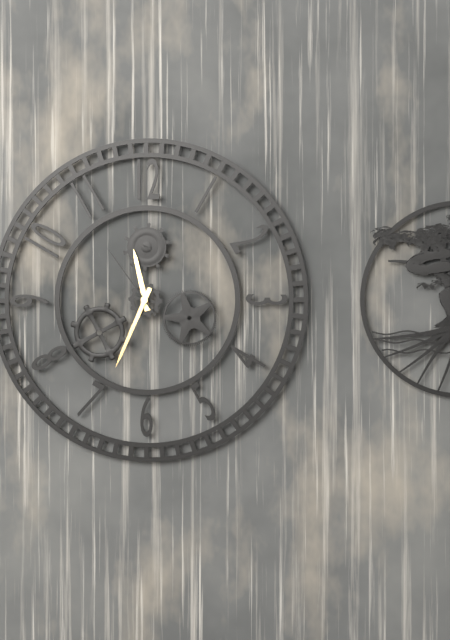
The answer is 11:34:54
